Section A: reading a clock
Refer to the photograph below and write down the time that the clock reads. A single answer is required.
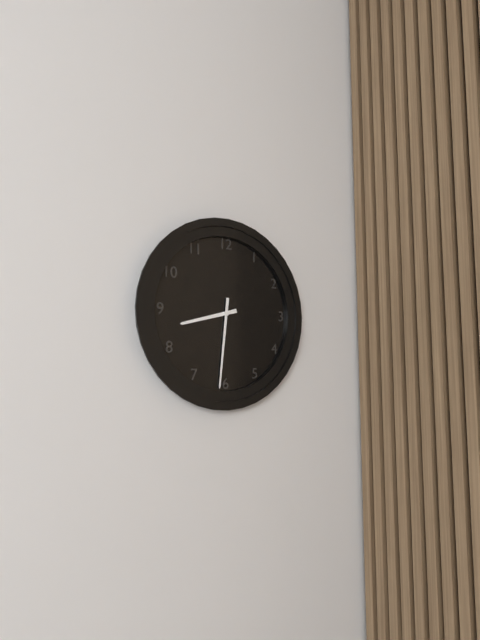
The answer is 8:31
